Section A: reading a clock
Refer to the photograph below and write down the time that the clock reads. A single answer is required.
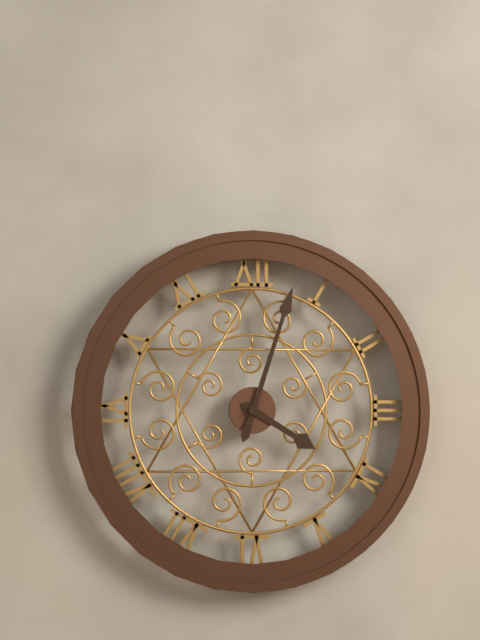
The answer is 4:03
